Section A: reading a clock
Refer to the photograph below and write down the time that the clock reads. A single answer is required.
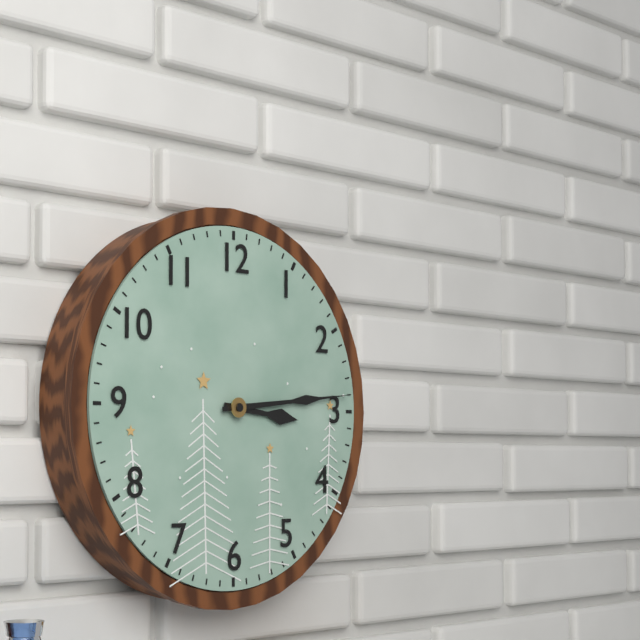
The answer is 3:14
